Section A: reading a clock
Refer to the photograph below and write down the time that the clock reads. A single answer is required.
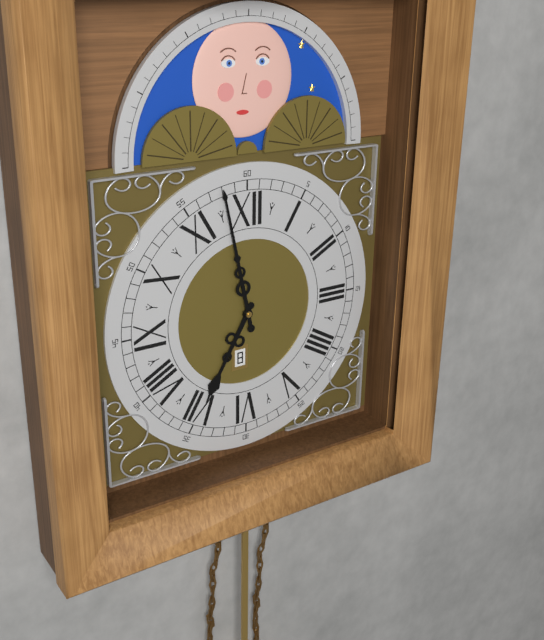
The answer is 6:58
